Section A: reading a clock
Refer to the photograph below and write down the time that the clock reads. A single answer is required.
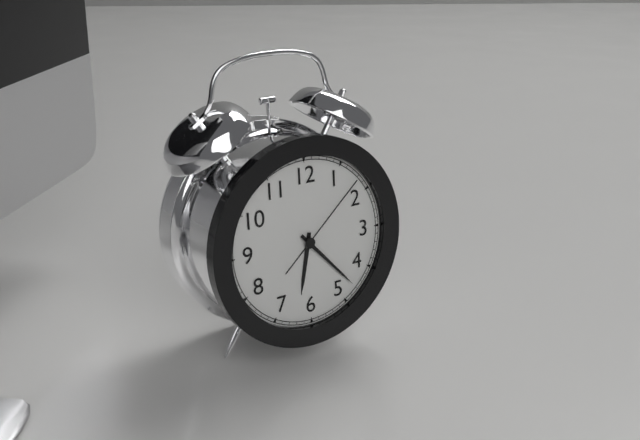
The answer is 6:23:08
